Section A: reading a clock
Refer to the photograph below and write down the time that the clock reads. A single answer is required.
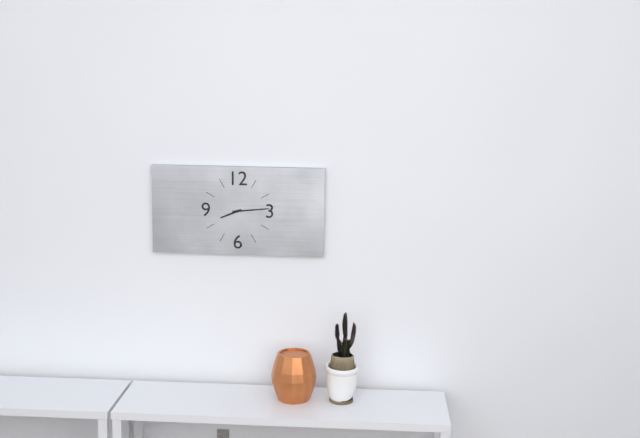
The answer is 8:14
